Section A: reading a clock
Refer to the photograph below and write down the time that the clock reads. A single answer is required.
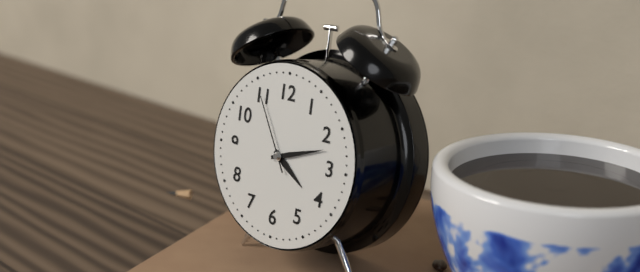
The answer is 4:12:55
